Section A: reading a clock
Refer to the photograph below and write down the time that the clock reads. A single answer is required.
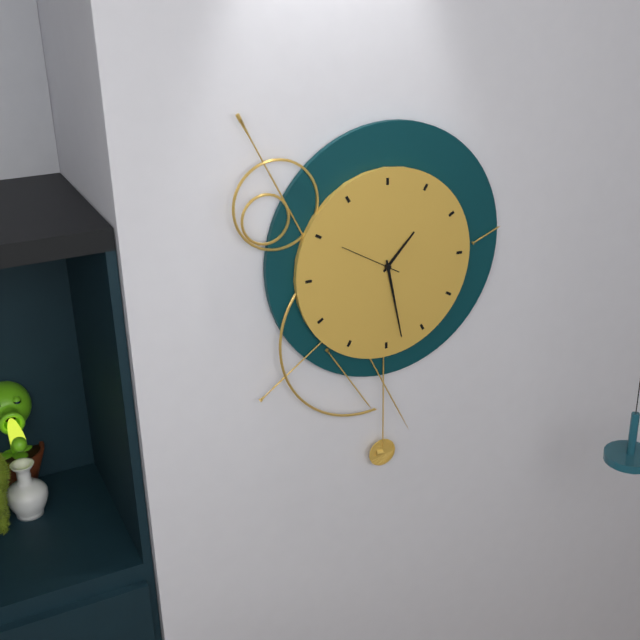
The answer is 1:28
